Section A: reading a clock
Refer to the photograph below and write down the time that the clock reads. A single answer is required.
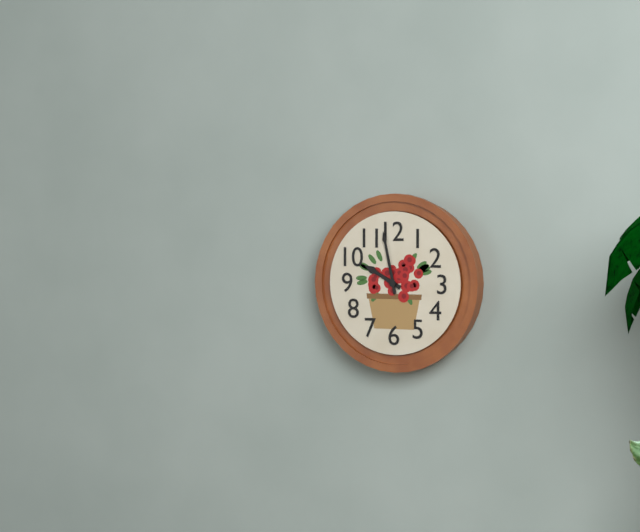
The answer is 9:58
